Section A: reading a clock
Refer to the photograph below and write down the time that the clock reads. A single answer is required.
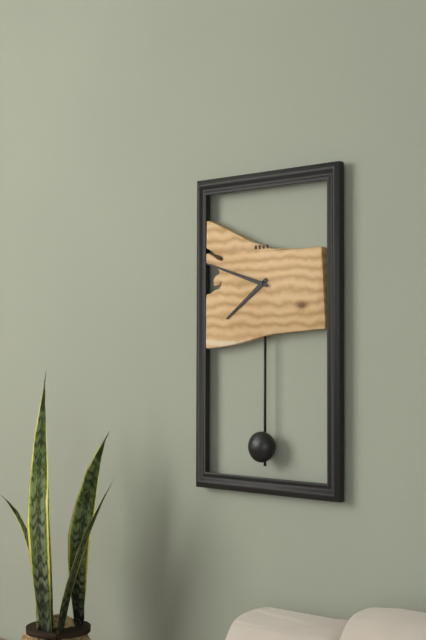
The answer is 7:48
